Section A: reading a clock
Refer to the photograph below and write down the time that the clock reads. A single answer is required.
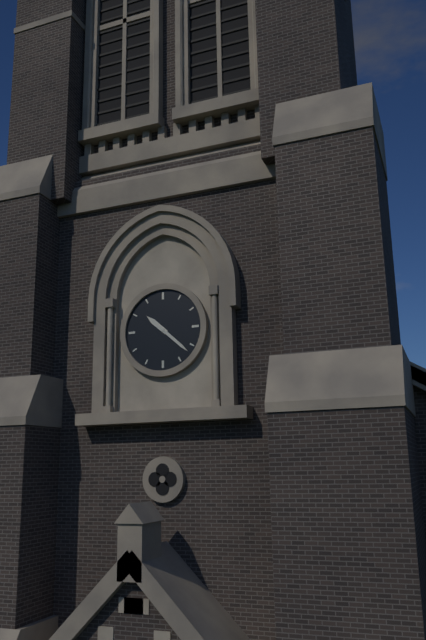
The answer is 10:22
